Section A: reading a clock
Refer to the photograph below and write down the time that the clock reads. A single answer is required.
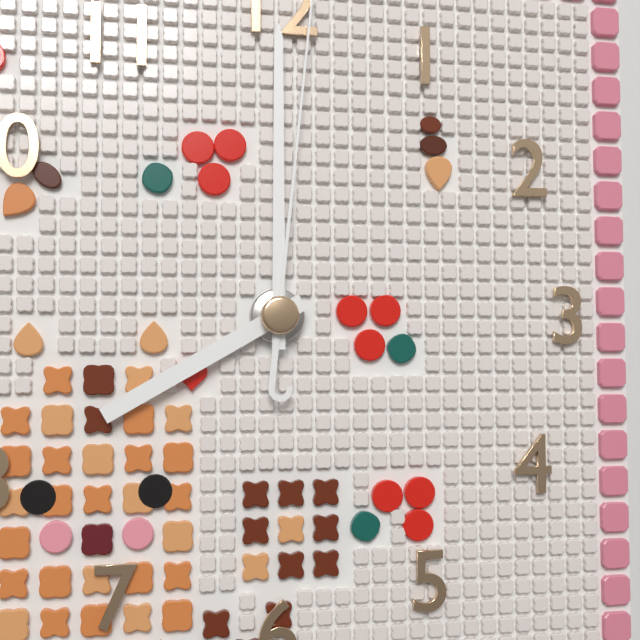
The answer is 8:00:01
